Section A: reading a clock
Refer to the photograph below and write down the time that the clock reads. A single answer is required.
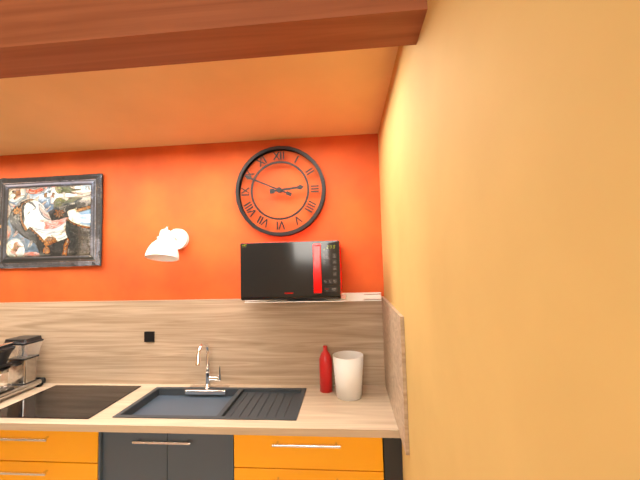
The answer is 2:49
